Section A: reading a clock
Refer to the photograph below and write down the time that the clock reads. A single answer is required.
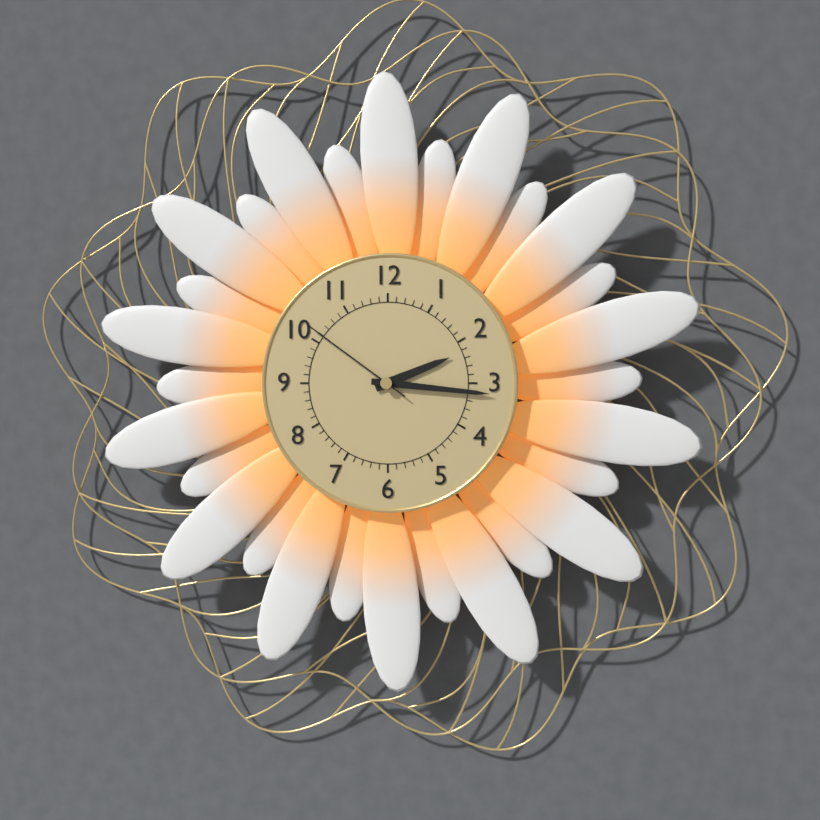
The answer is 2:16:51
